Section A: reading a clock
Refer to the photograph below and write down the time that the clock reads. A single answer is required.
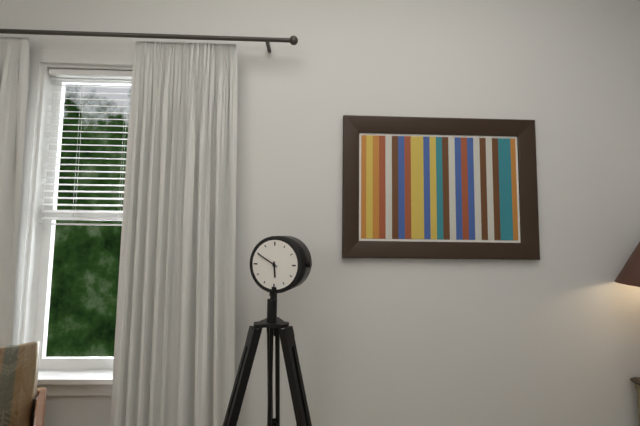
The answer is 5:50
